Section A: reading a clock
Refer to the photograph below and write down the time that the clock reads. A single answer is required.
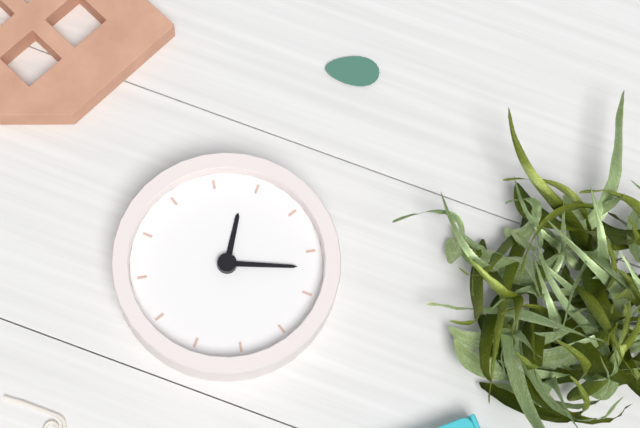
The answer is 5:42
